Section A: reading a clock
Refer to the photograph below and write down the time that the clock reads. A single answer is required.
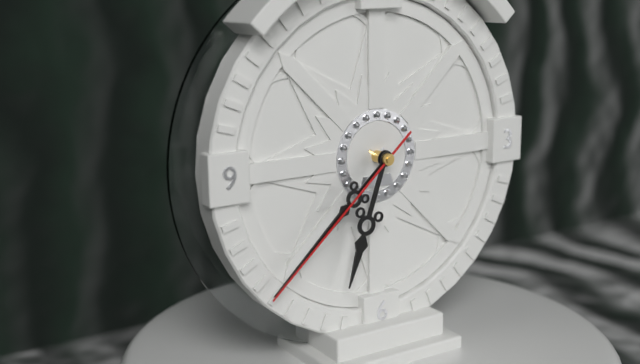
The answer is 6:38:38
